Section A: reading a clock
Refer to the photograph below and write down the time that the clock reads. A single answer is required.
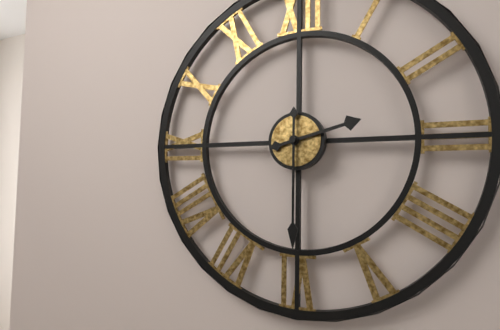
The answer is 2:30
